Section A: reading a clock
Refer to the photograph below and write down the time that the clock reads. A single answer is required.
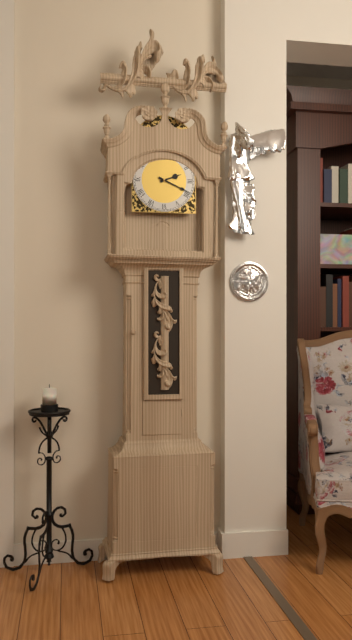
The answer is 2:19
